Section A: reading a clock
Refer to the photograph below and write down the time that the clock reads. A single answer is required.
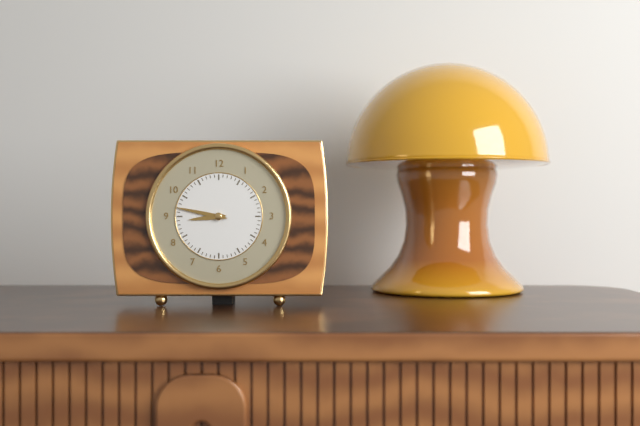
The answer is 8:47
